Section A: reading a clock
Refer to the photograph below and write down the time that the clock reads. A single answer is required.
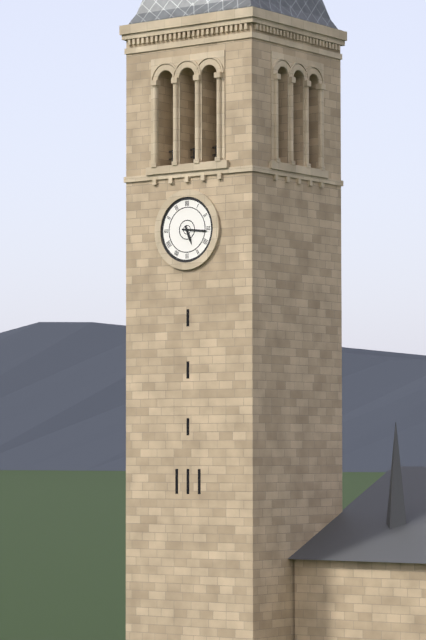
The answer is 5:16
